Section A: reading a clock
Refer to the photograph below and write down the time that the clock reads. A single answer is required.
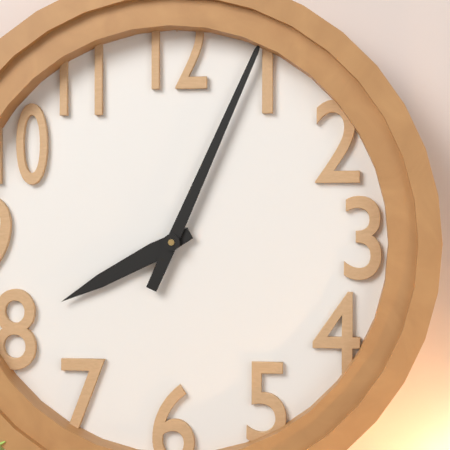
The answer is 8:04
